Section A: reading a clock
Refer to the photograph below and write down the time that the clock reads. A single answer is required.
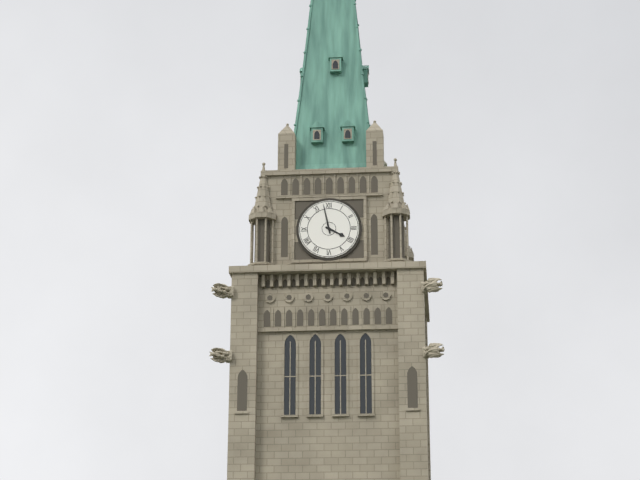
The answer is 3:58
